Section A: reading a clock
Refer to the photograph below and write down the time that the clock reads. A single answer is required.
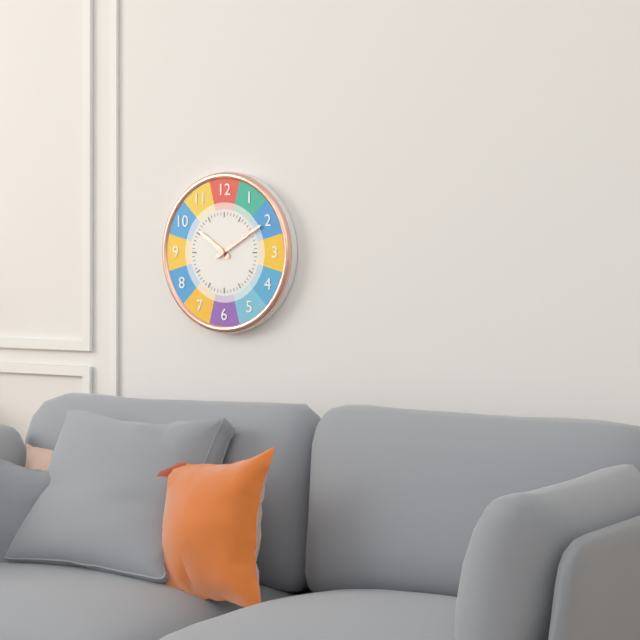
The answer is 10:10
